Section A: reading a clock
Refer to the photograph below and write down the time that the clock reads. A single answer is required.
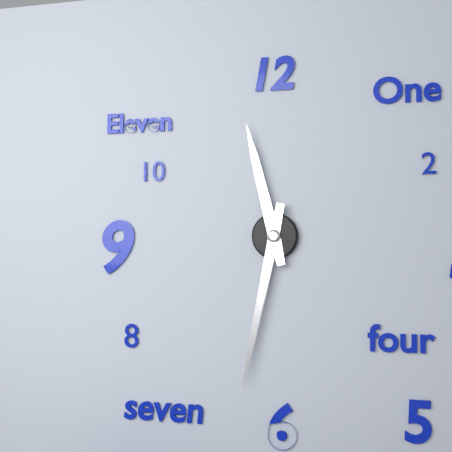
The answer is 11:32
